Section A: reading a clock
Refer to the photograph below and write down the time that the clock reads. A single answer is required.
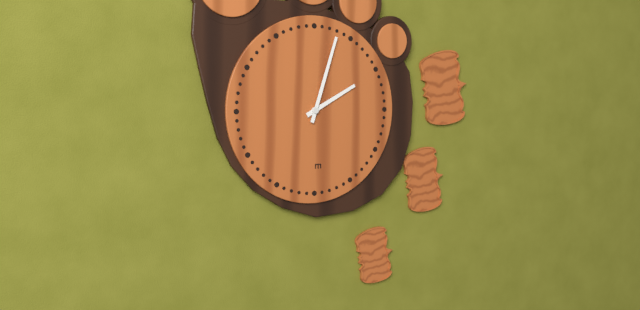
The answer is 2:03
